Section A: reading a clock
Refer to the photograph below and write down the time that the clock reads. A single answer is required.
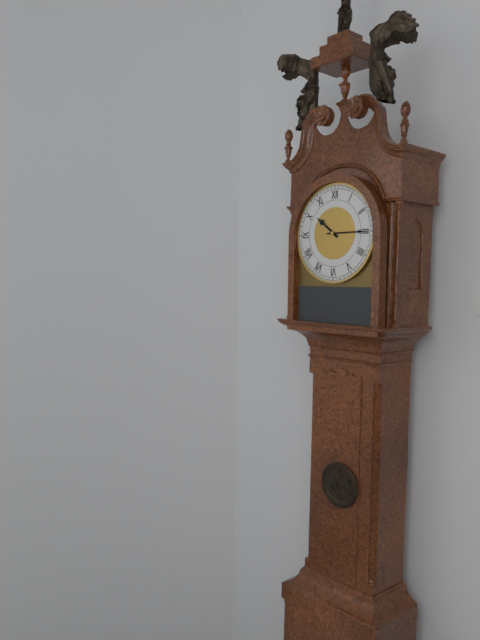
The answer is 10:15
